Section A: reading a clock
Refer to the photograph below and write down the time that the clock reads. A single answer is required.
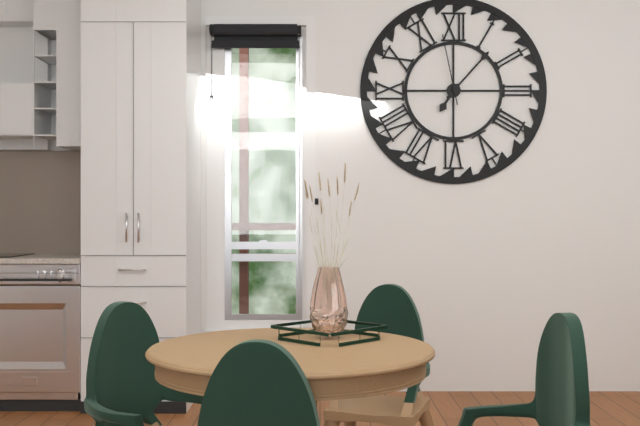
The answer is 7:07:58
